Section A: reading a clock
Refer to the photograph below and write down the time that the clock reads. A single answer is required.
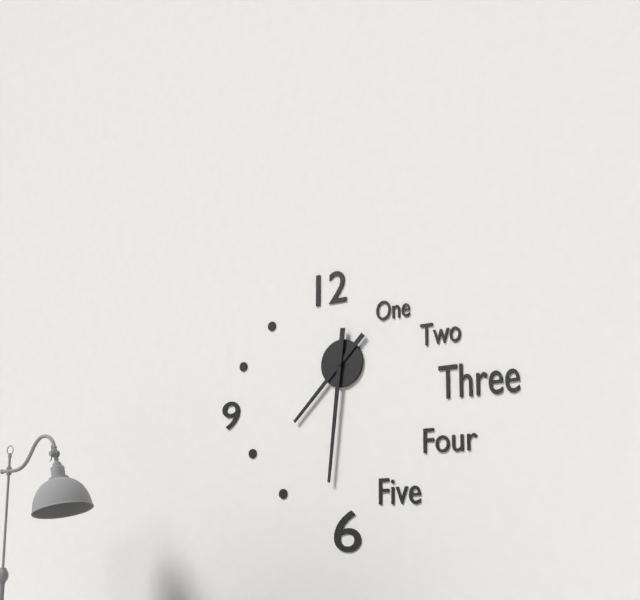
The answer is 7:31
